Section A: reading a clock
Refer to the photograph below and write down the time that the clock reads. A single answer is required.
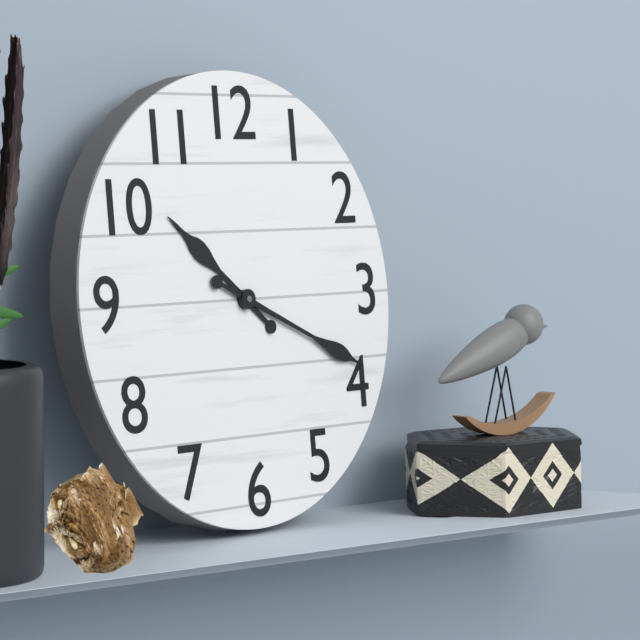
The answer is 10:19
